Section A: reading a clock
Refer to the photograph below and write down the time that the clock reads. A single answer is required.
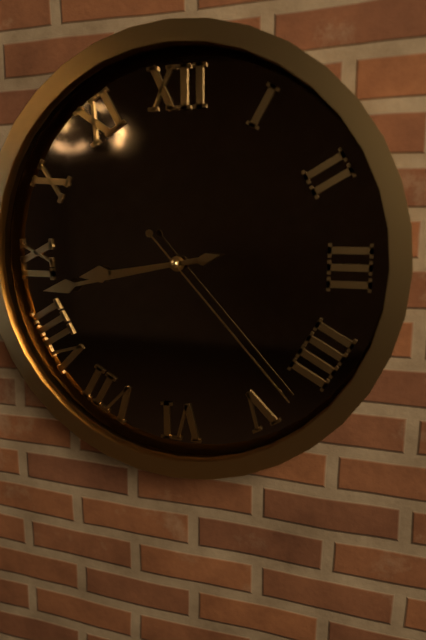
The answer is 8:43:23
